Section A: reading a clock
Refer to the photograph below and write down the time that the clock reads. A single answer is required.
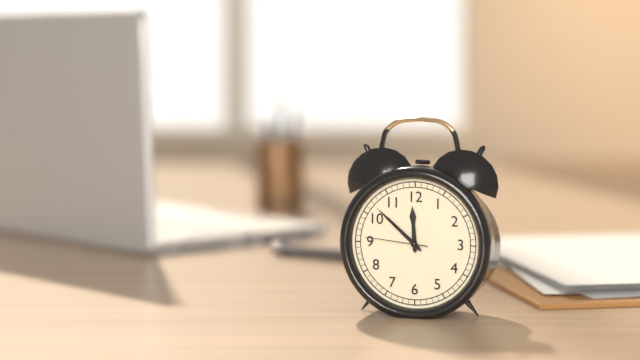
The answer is 11:52:46
